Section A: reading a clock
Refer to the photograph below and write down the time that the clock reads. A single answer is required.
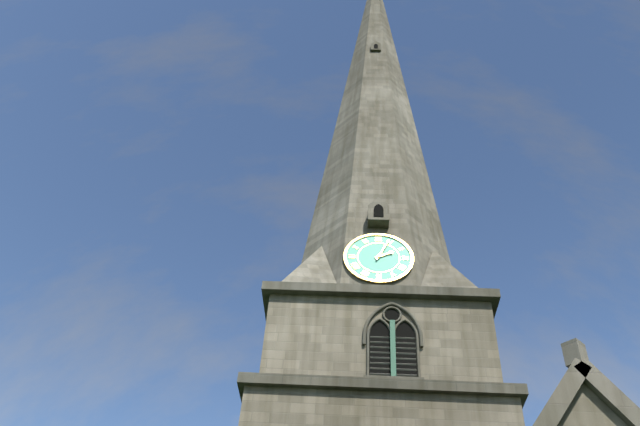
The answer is 2:04
